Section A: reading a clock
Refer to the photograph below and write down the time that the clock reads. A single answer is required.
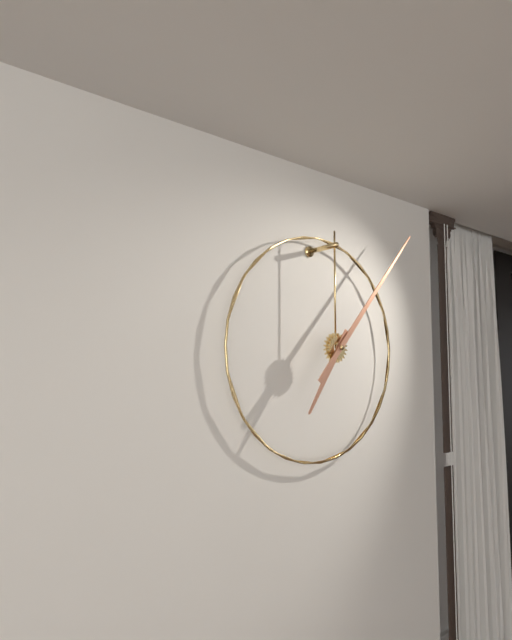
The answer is 7:07
